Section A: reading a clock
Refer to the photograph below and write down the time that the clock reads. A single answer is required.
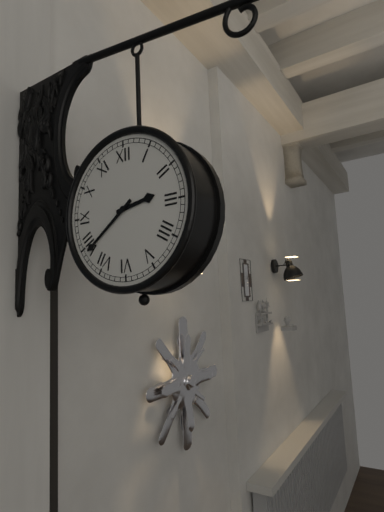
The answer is 2:39
